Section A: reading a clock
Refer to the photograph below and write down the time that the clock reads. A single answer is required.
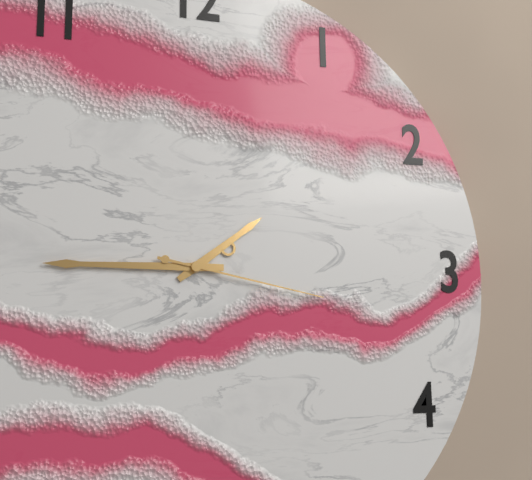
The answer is 1:45:17
